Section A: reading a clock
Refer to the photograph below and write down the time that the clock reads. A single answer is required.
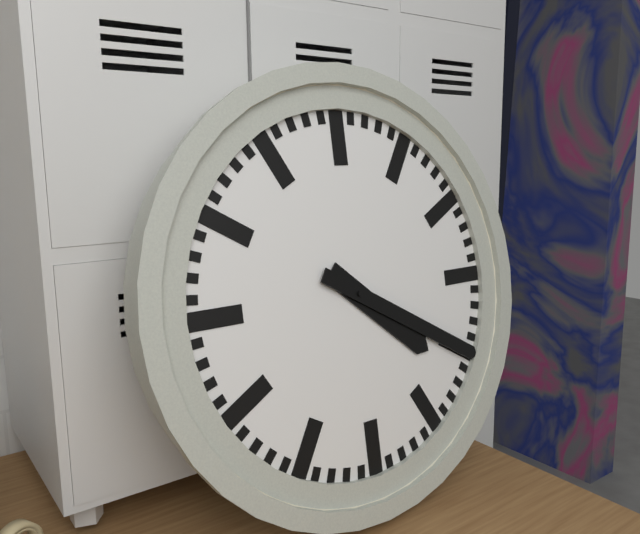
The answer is 4:20
